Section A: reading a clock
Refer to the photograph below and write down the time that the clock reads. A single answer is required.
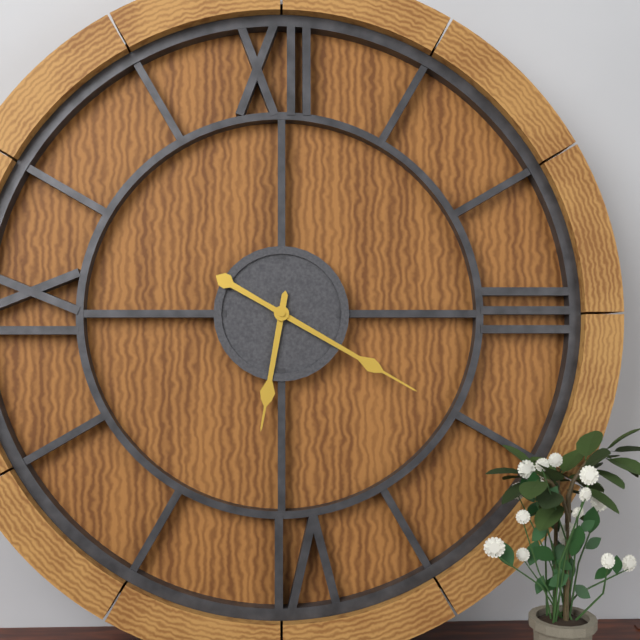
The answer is 6:20
